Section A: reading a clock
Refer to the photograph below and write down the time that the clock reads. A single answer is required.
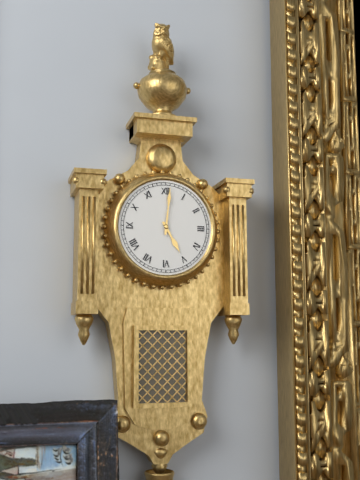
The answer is 5:01
